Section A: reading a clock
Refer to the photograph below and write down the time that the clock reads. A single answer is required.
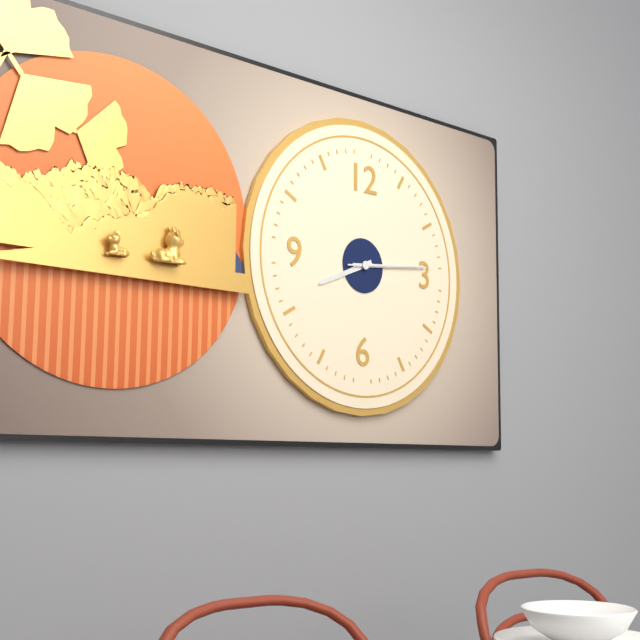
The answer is 8:14:14
